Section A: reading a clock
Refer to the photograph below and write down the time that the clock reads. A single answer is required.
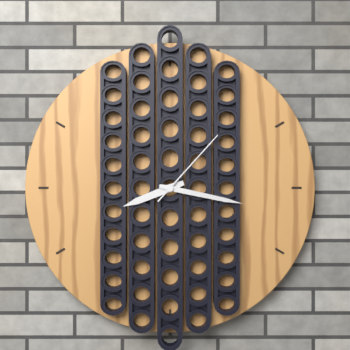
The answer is 8:17:07
